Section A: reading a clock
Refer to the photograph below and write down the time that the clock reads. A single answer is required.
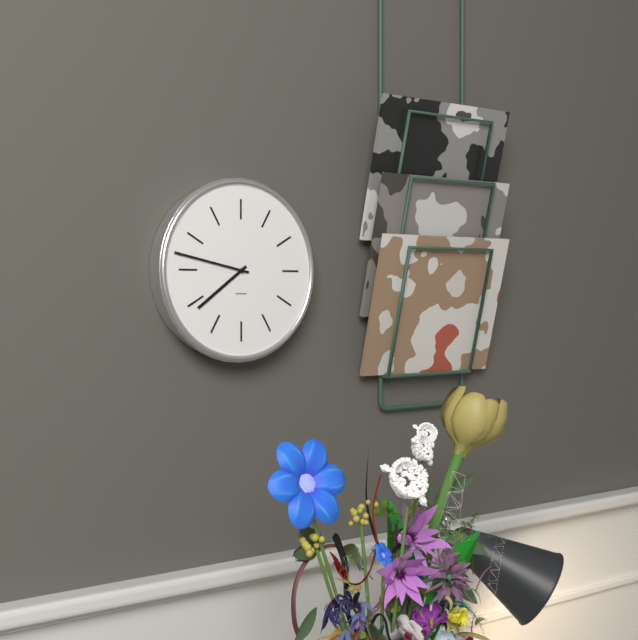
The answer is 7:47
